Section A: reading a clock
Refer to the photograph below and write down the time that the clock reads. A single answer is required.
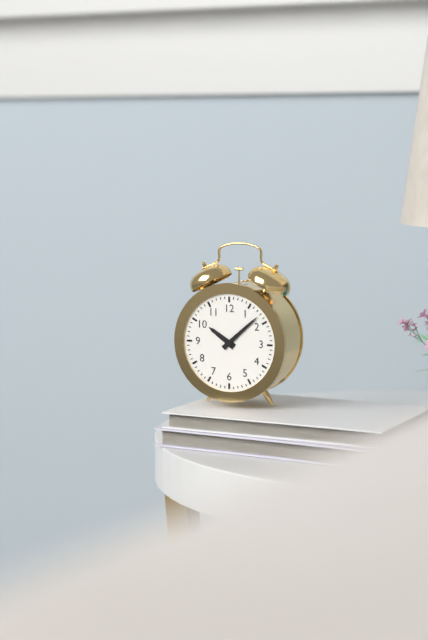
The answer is 10:08
